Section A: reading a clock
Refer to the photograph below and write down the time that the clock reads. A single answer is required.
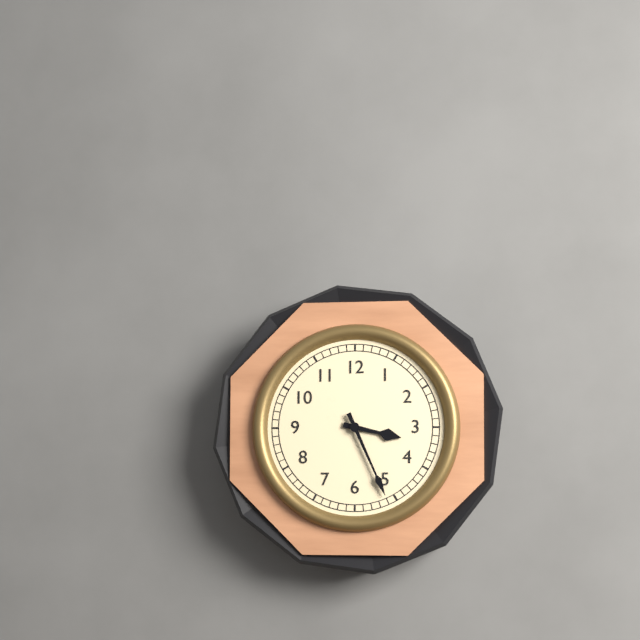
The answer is 3:26
